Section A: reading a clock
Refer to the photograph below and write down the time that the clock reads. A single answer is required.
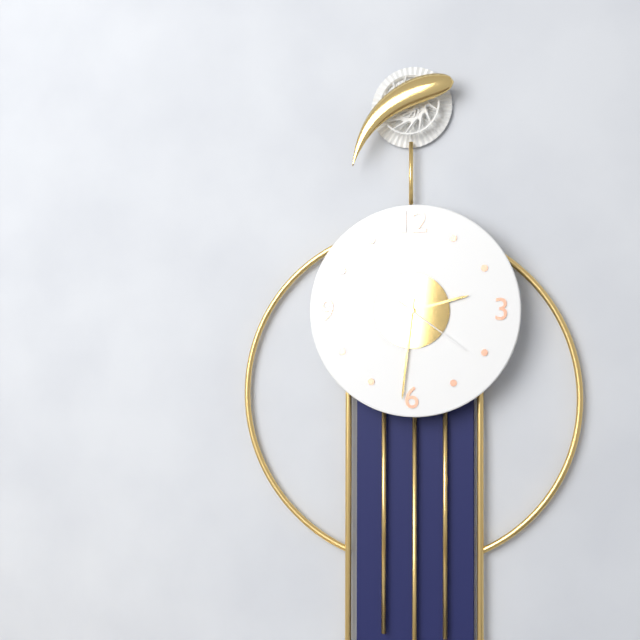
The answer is 2:31:21
